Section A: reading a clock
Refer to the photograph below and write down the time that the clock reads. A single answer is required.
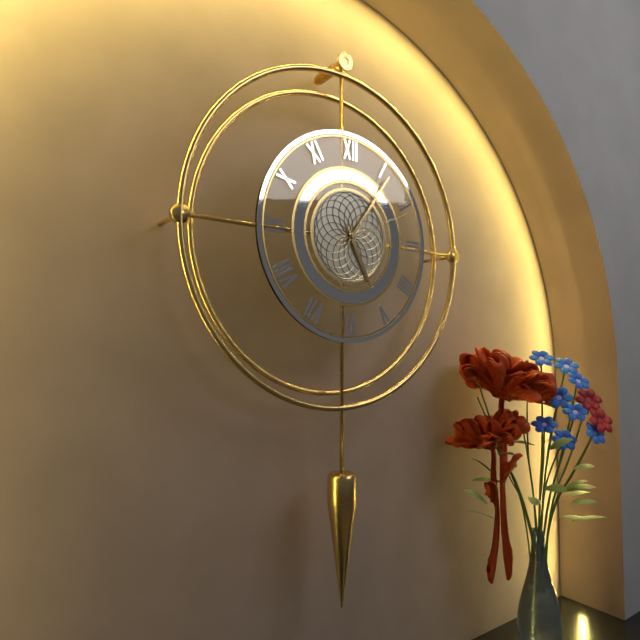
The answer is 5:06:11
